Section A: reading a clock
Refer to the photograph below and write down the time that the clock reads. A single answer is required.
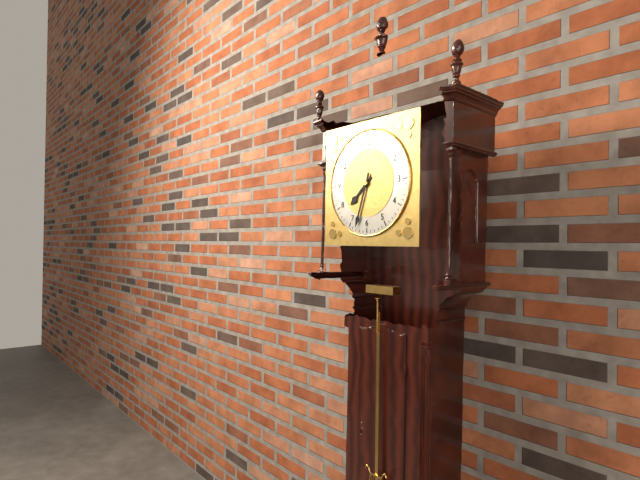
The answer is 7:33
